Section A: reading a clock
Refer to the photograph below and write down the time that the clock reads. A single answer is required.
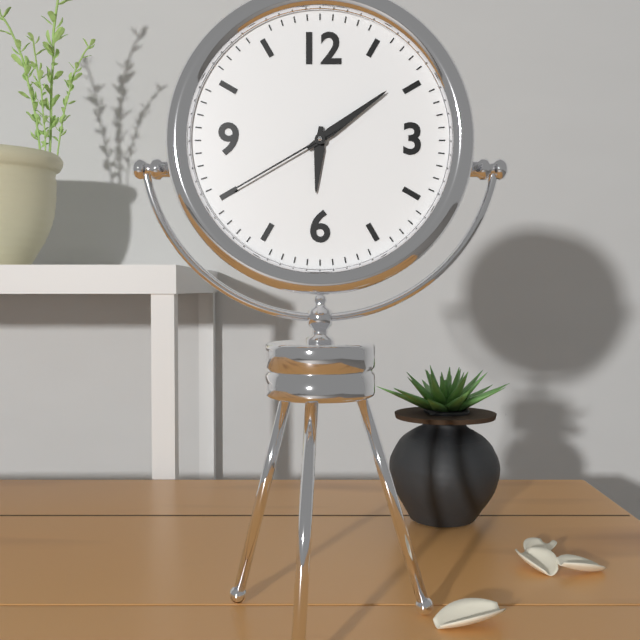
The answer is 6:09:40
